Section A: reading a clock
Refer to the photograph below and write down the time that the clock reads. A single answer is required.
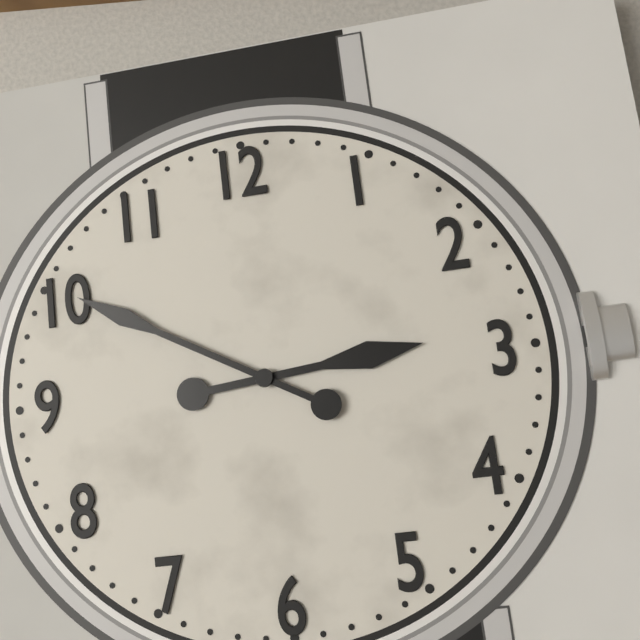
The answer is 2:50
